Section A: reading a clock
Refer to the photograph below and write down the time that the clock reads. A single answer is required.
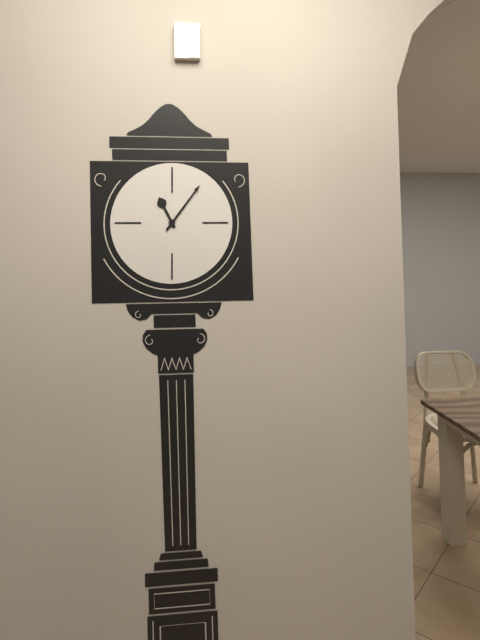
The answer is 11:06
